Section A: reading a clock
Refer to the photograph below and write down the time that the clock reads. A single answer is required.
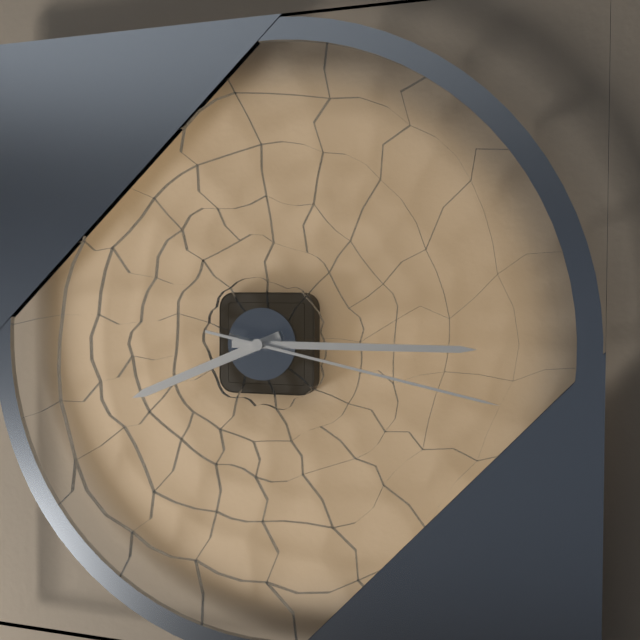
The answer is 8:15:17
